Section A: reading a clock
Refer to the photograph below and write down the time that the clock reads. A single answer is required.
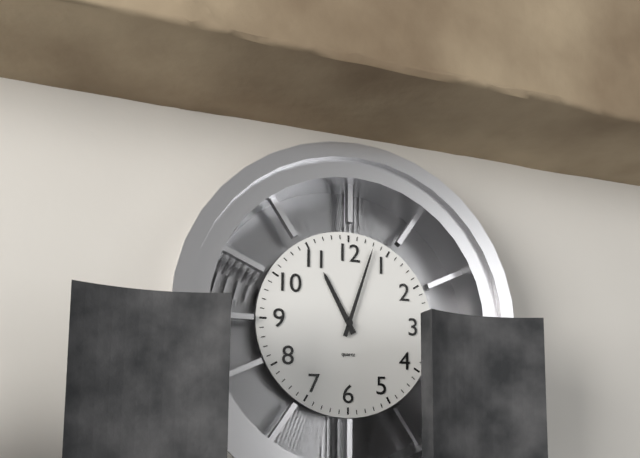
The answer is 11:03
